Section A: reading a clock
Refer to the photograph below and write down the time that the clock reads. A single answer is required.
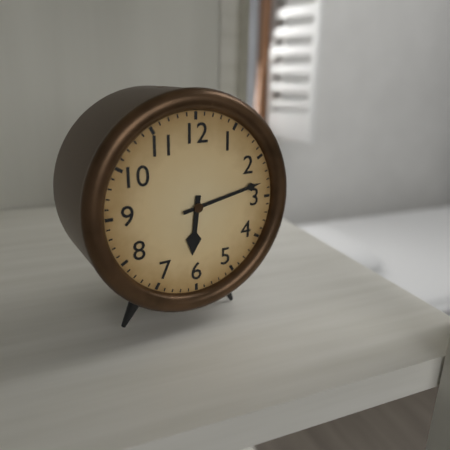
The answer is 6:13
